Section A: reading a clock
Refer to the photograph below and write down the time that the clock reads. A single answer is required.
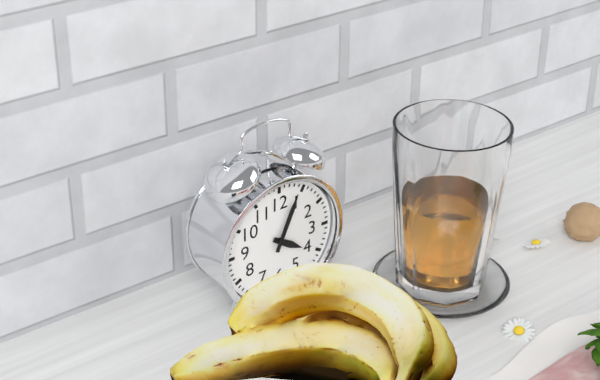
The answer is 4:04
